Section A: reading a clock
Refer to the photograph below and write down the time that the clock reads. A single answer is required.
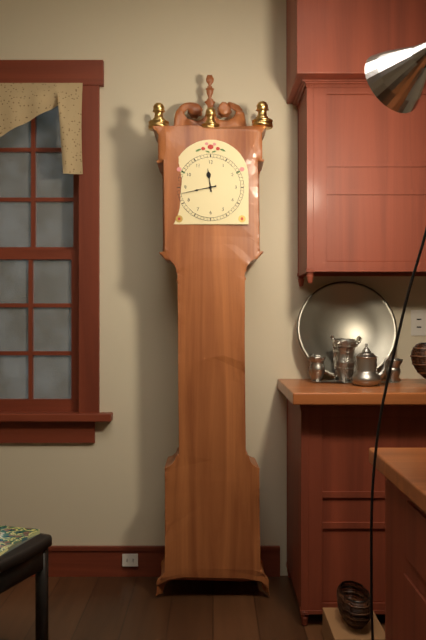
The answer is 11:43
